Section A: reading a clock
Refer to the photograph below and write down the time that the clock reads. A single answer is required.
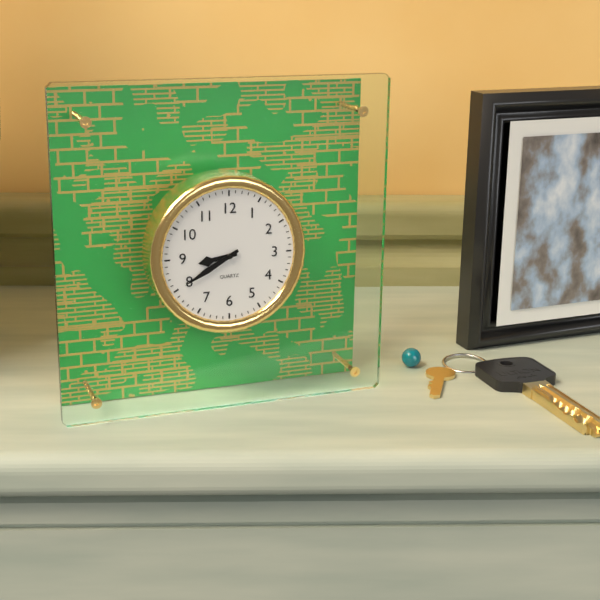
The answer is 8:40
